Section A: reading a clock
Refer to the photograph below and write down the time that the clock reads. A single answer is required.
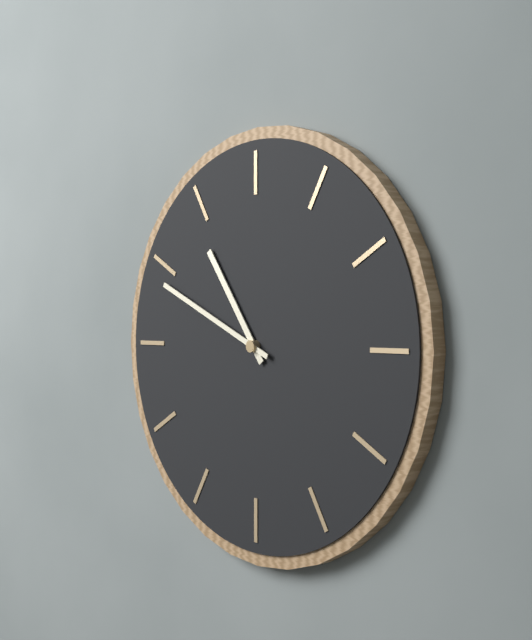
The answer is 10:49
